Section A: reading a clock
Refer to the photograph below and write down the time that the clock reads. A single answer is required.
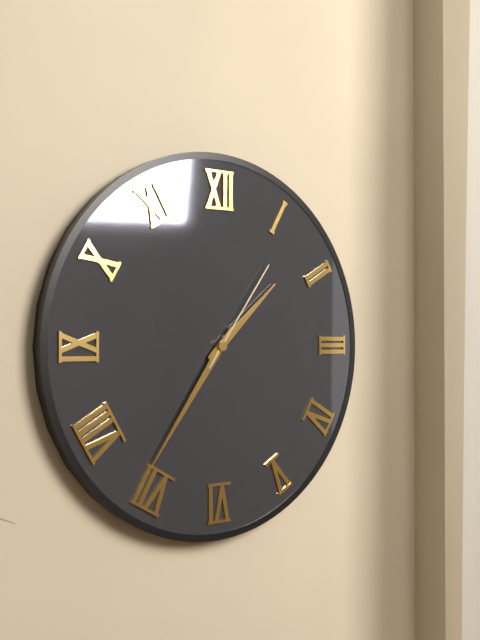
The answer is 1:36:06
